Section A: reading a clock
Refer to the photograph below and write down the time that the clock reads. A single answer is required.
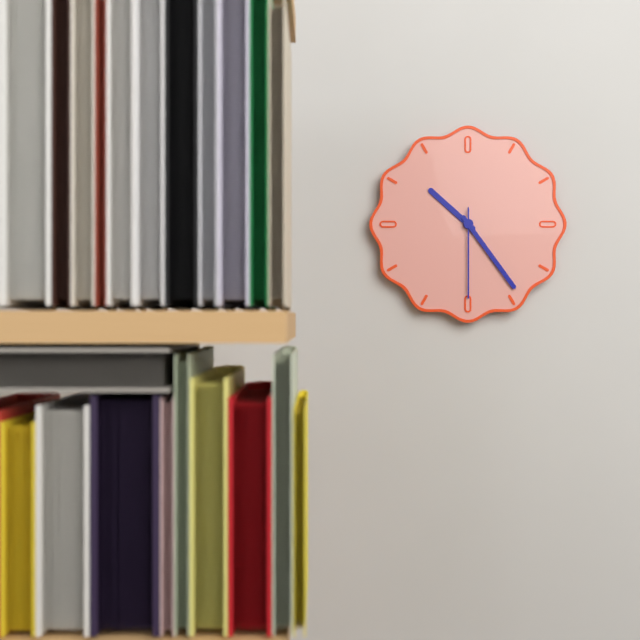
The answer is 10:24:30
